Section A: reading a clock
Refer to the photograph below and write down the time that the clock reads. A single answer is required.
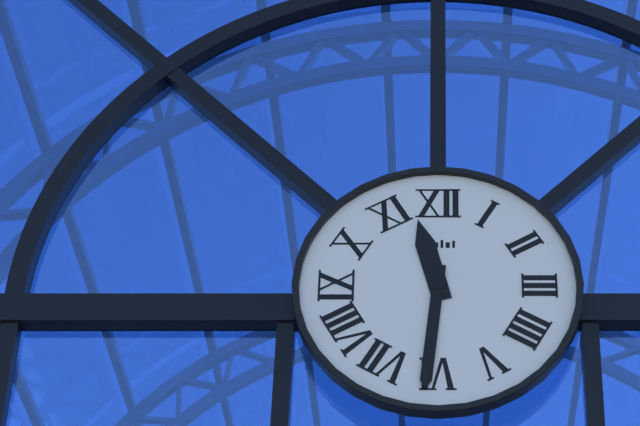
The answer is 11:31
